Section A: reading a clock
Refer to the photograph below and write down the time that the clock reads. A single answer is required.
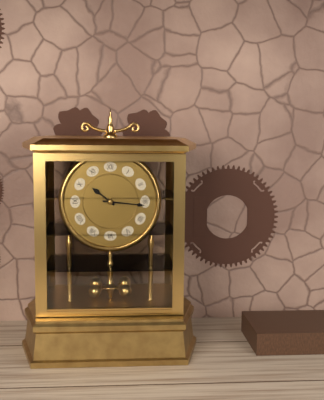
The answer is 10:16
